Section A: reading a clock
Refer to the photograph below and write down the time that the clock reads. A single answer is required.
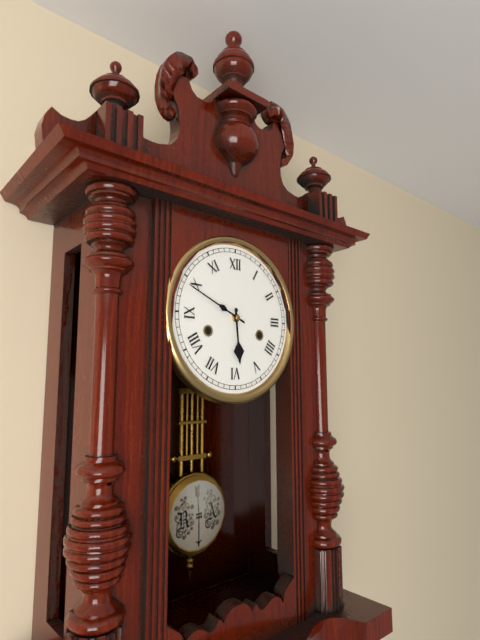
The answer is 5:49
